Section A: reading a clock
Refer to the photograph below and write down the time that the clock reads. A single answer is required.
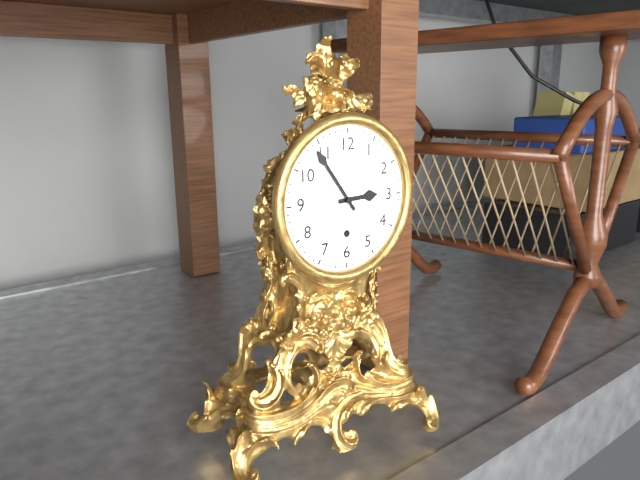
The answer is 2:54
